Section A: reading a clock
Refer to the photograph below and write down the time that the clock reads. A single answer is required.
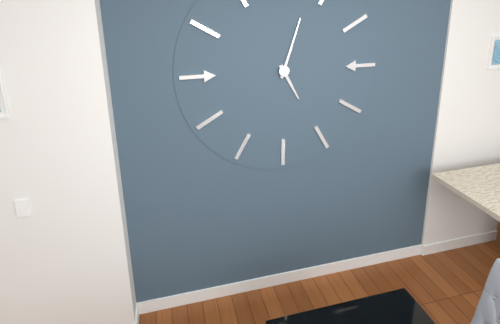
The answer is 5:03
